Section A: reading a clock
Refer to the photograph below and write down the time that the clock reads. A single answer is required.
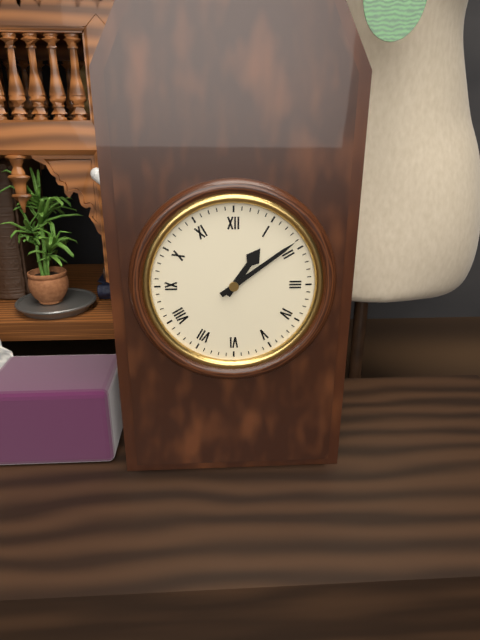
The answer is 1:09
